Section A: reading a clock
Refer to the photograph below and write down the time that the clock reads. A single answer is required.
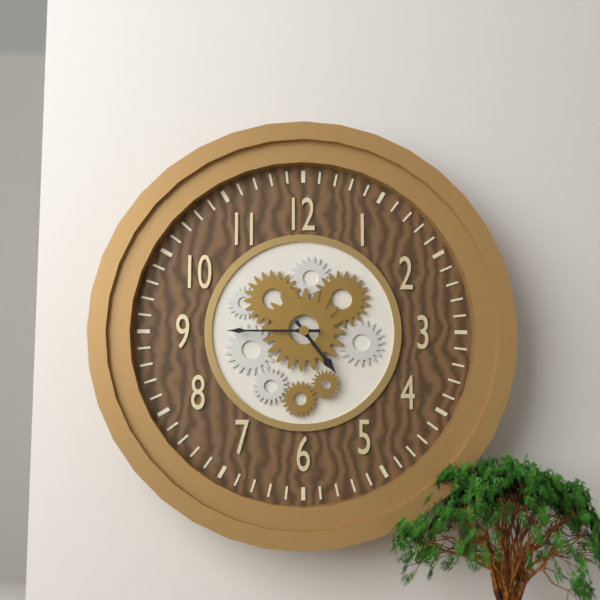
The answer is 4:45
